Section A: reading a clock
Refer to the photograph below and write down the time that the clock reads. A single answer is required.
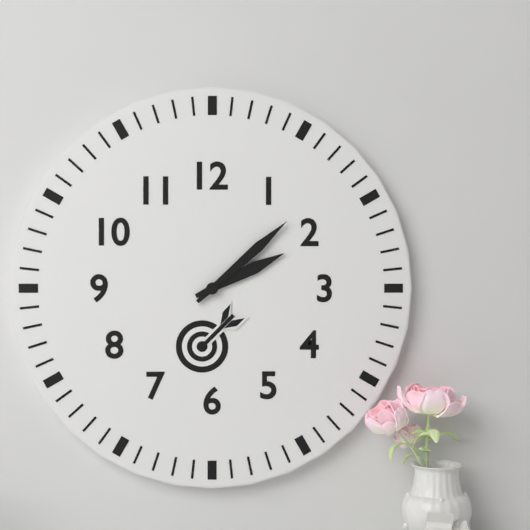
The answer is 2:08
